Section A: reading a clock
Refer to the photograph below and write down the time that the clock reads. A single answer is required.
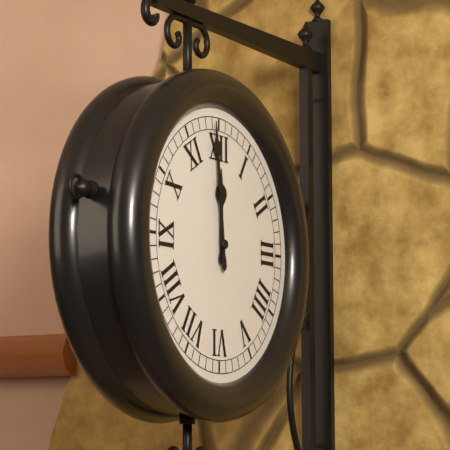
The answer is 11:59
